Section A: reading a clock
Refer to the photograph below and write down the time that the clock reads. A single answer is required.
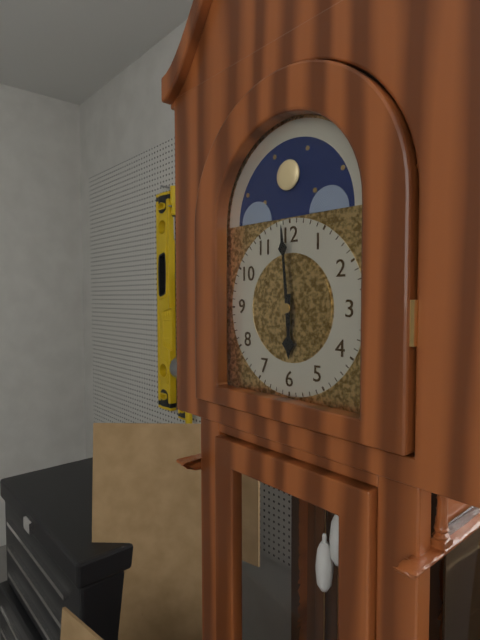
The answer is 5:59
